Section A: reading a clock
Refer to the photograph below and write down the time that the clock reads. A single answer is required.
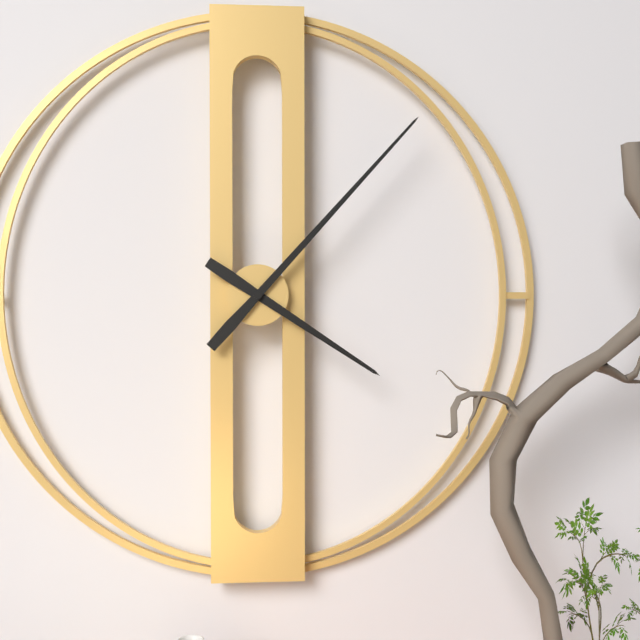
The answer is 4:07
